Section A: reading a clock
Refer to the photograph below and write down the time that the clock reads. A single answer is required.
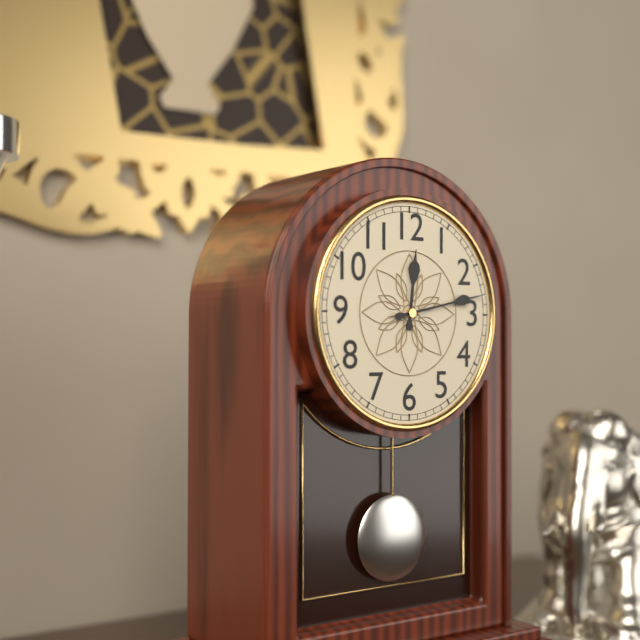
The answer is 12:13
